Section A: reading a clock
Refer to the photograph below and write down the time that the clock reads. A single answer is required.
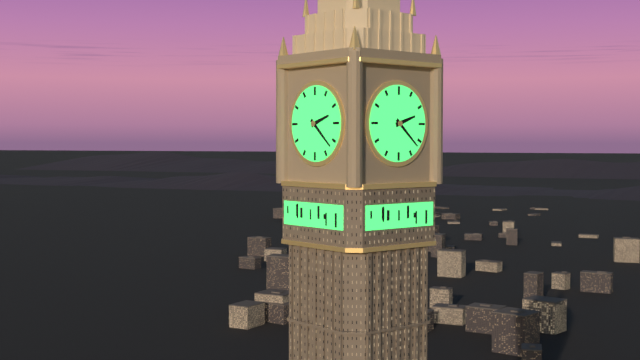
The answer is 2:22
